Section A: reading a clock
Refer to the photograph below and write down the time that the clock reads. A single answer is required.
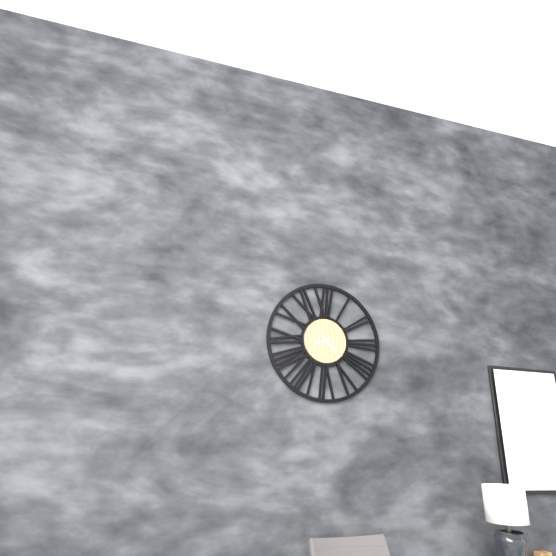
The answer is 8:23
